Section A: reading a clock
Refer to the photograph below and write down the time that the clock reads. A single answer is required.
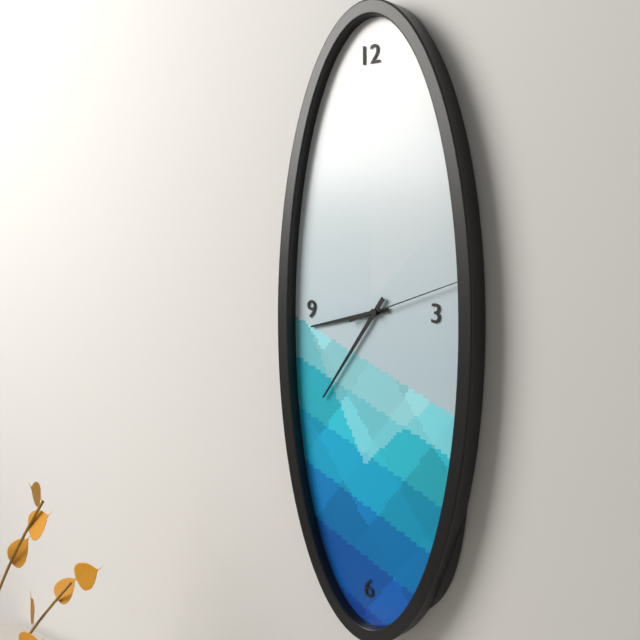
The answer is 8:36:12
